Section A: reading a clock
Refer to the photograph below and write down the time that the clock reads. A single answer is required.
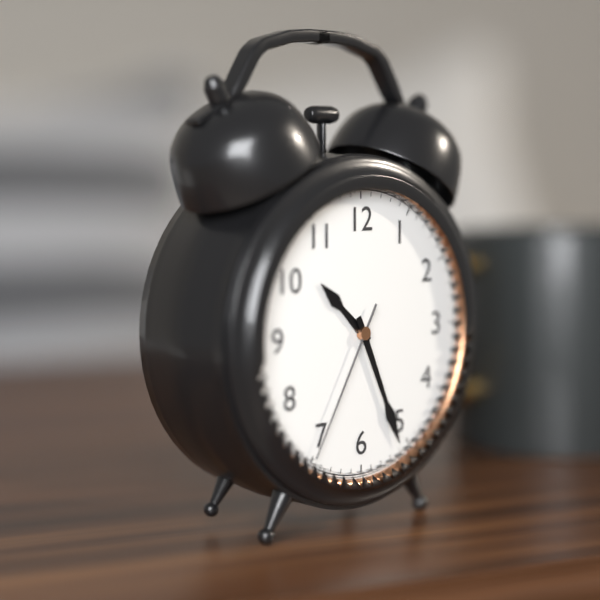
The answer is 10:26:35
